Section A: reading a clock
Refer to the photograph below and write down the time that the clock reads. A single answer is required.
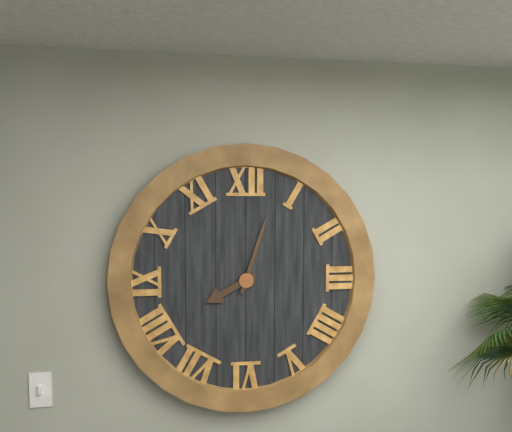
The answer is 8:03
